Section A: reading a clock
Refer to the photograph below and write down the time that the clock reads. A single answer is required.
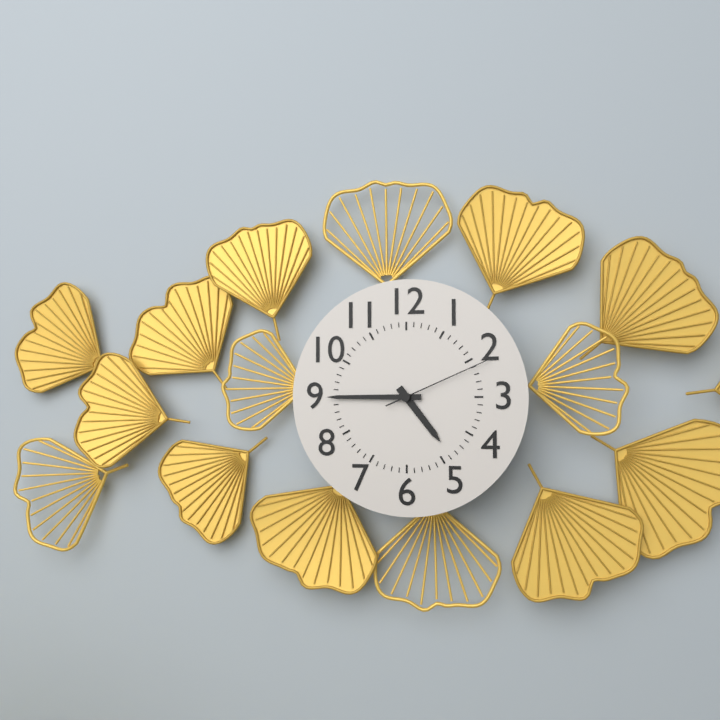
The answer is 4:45:11
